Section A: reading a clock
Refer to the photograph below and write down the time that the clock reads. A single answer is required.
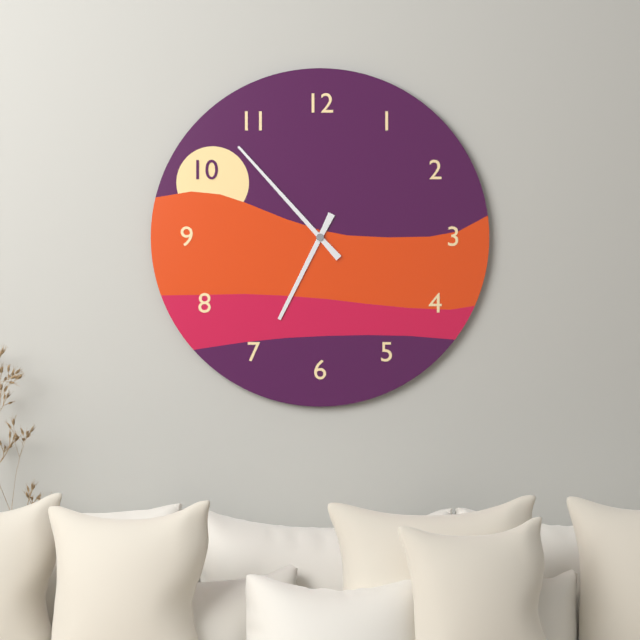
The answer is 6:53
